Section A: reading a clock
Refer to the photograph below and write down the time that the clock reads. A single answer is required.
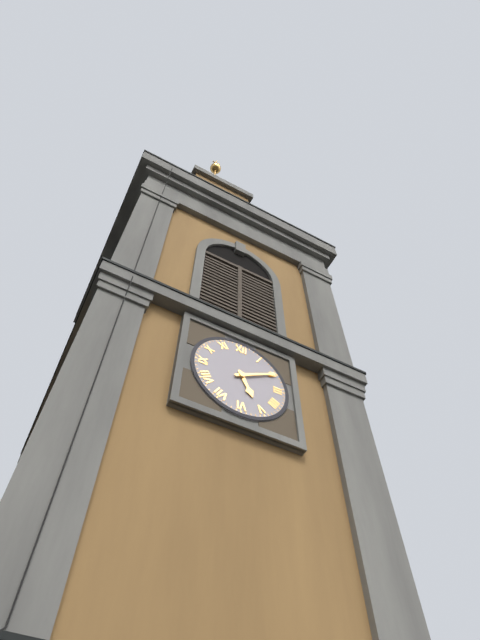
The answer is 5:10
